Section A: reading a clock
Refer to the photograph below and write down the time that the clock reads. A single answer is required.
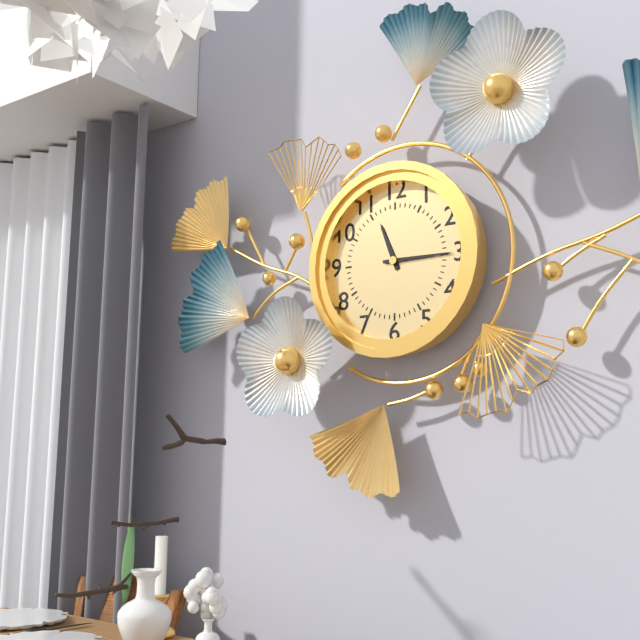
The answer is 11:15
